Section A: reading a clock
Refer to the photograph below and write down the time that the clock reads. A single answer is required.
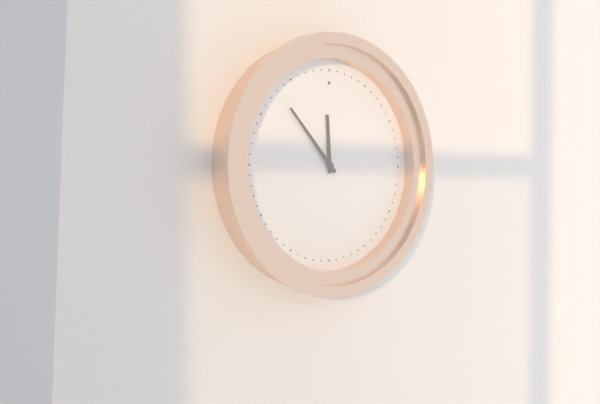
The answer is 11:53
